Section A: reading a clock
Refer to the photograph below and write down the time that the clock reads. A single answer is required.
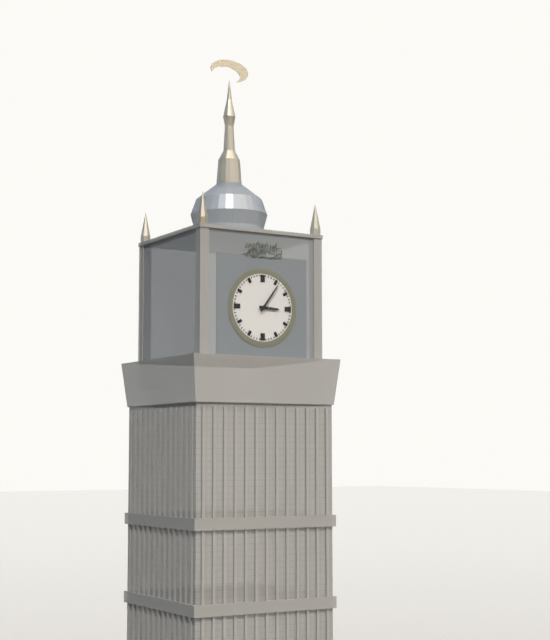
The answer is 3:06
